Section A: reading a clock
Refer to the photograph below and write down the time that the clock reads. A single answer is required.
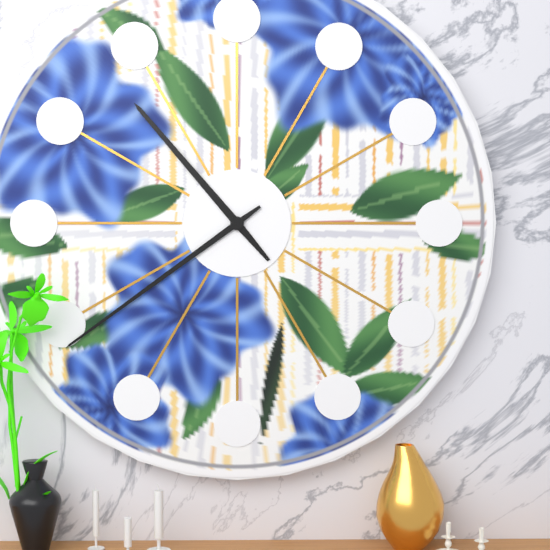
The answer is 10:39
